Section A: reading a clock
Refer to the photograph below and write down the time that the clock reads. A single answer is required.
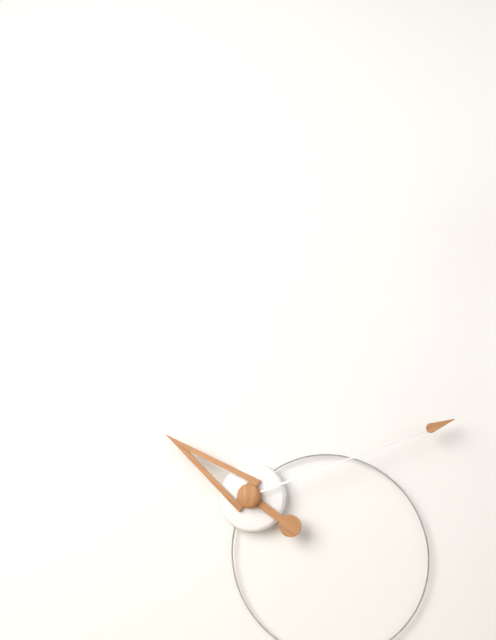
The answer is 10:12
